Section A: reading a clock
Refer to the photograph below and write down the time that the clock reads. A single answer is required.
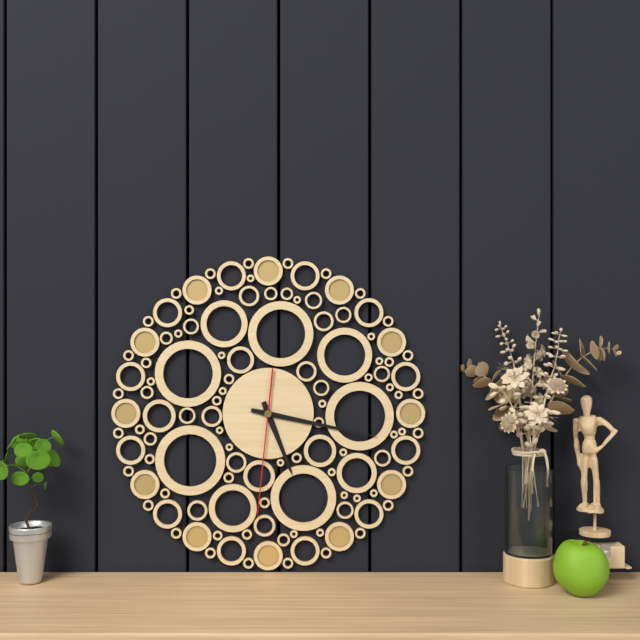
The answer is 5:17:31
